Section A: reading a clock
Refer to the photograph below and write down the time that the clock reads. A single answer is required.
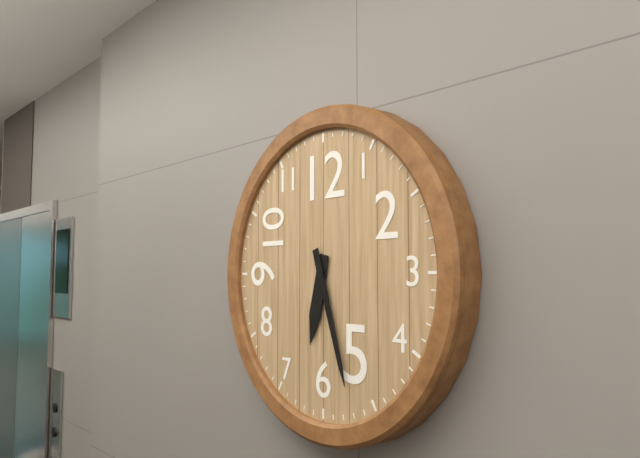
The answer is 6:27
